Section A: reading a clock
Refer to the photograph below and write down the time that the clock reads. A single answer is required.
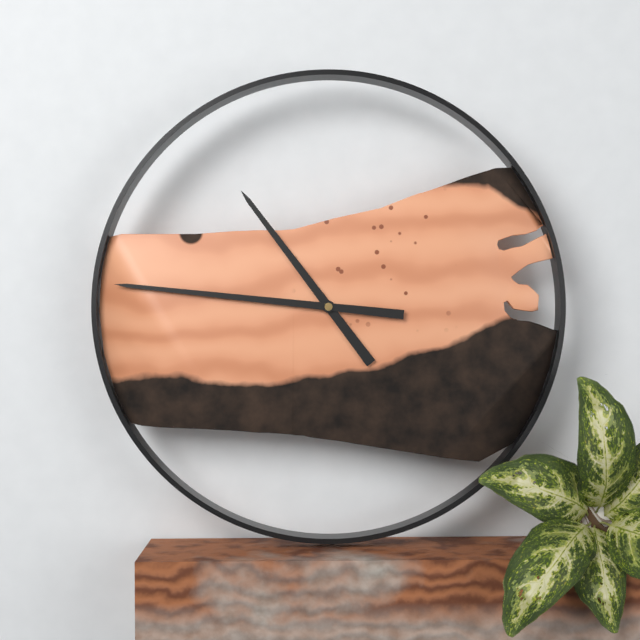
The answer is 10:46
